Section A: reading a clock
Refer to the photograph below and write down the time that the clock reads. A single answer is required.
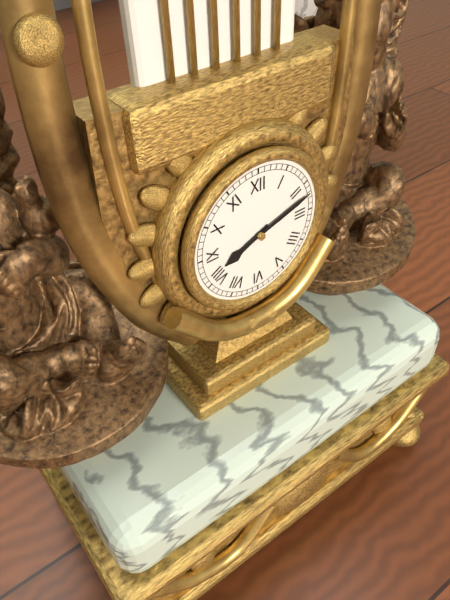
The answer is 8:12
